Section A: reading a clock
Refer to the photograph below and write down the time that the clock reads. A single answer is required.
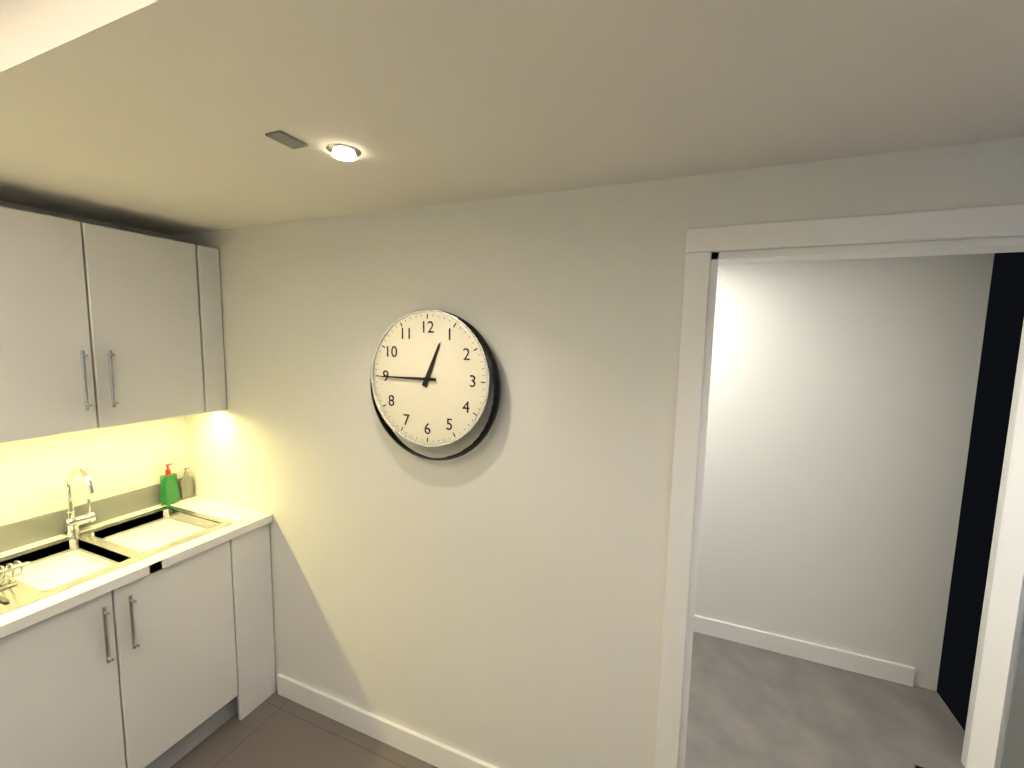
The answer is 12:45
